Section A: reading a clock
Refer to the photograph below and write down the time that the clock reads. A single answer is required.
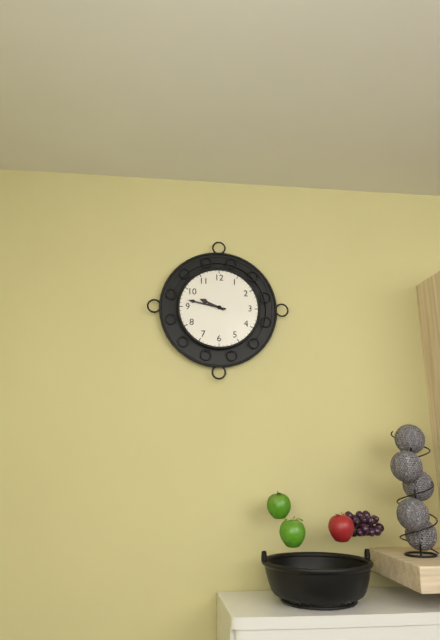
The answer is 9:47
